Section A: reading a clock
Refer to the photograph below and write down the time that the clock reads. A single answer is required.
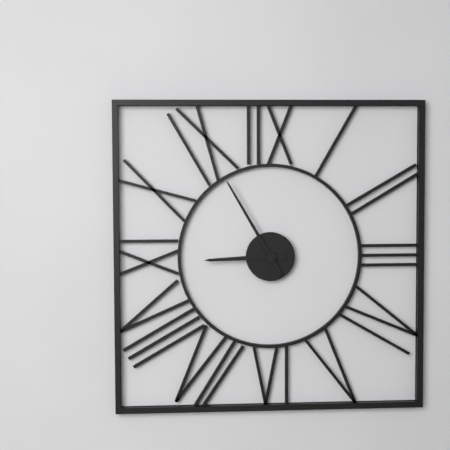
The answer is 8:55
